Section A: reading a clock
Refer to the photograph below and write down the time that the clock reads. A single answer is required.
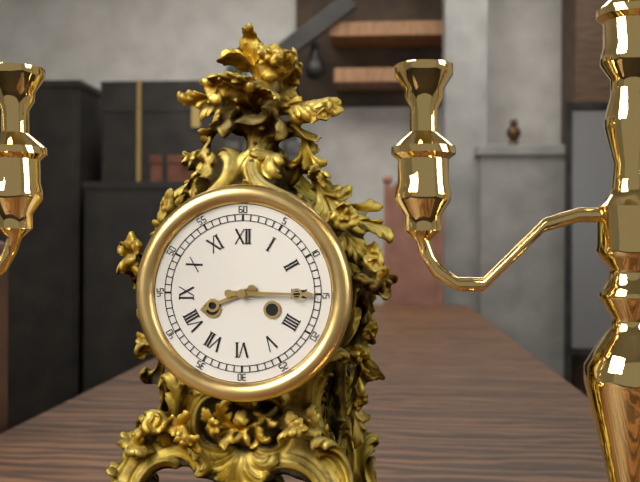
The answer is 8:15
